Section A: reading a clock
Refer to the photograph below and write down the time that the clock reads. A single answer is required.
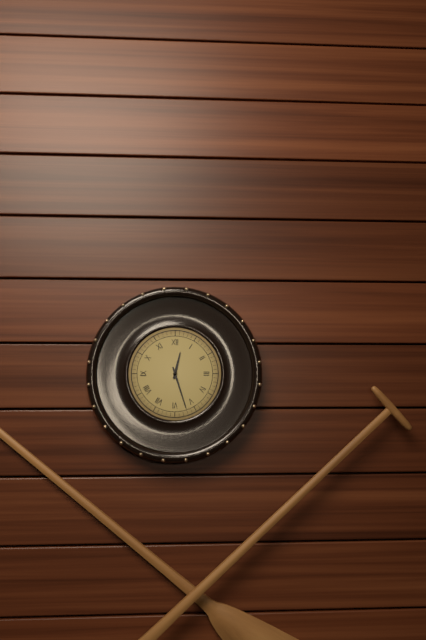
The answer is 12:27
